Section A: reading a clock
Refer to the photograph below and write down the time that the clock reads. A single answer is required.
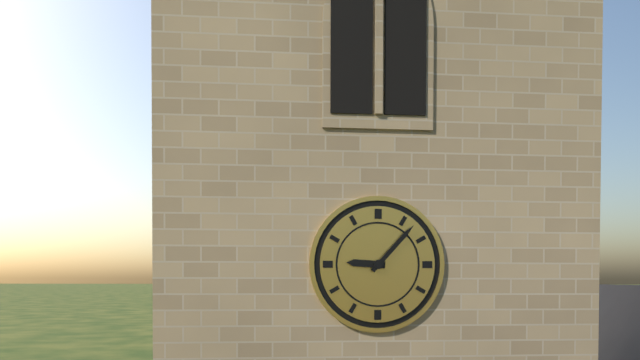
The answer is 9:07
